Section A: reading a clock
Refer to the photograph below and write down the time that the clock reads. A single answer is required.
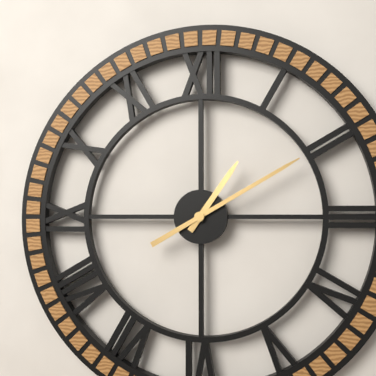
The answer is 1:10
